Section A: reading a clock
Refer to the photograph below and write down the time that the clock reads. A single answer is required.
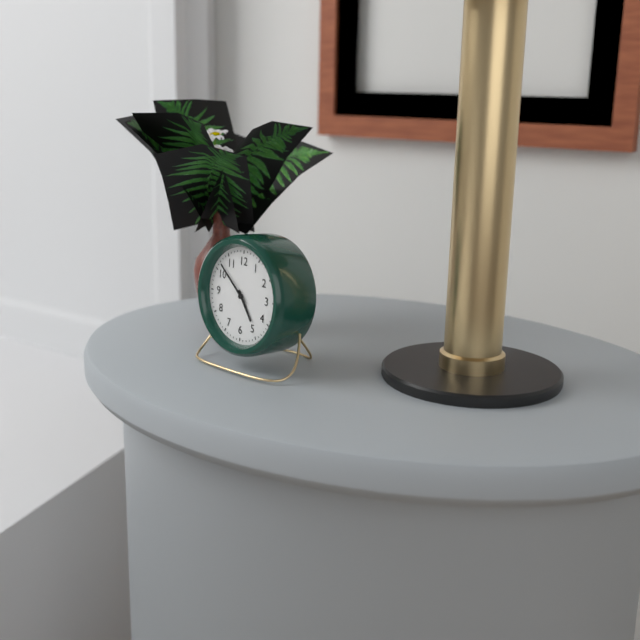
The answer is 4:52
